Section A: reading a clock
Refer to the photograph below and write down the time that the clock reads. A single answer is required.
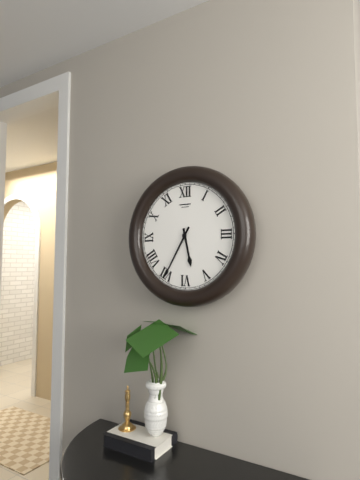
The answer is 5:35
